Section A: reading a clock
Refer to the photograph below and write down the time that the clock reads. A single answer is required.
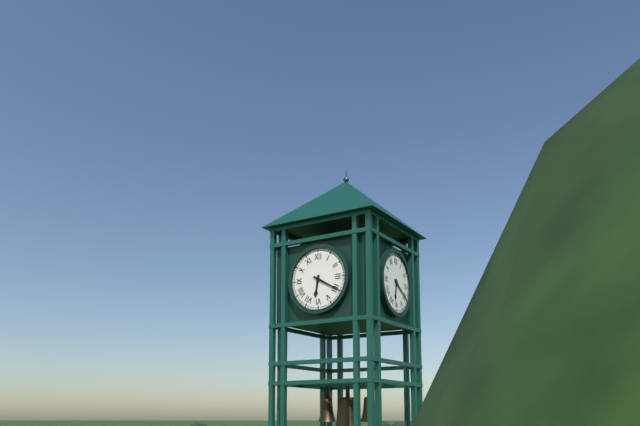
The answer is 6:20
